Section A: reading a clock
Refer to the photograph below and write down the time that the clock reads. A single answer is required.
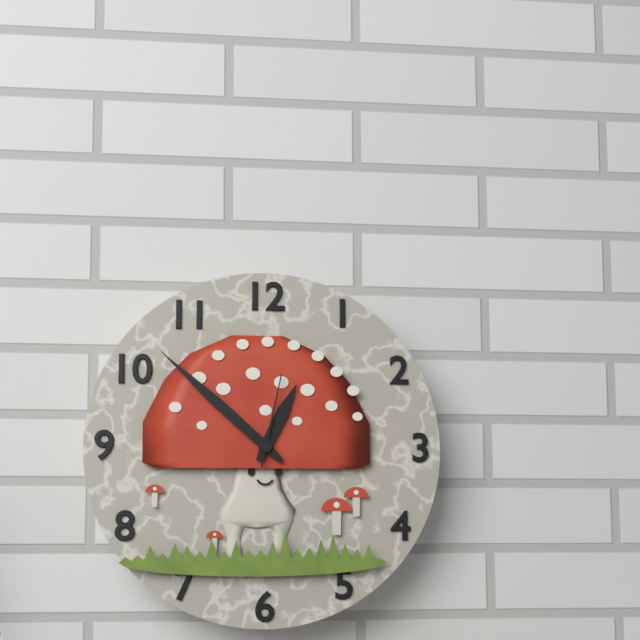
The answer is 12:52:02
